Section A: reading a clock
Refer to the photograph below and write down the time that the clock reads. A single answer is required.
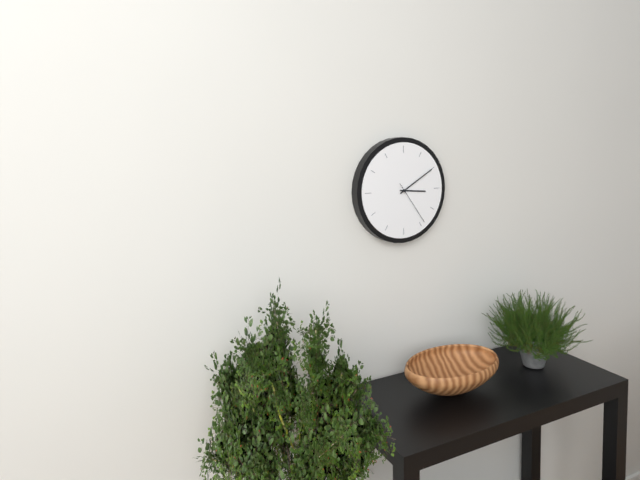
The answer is 3:10
